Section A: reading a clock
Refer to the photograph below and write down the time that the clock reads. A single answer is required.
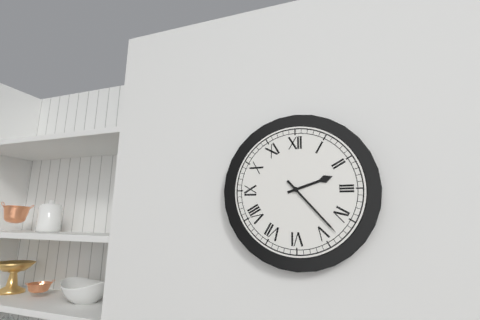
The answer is 2:23
